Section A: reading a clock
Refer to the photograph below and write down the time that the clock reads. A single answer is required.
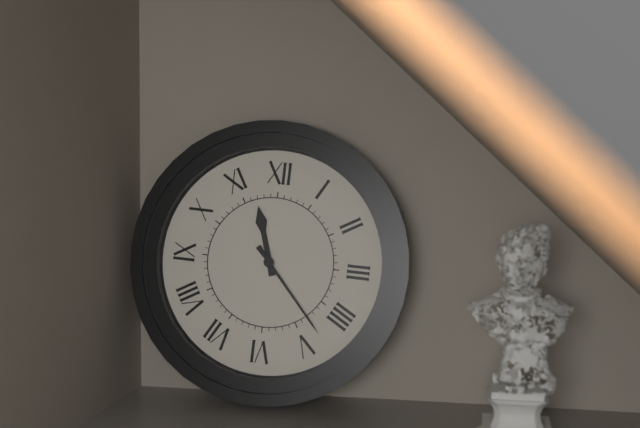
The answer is 11:23
